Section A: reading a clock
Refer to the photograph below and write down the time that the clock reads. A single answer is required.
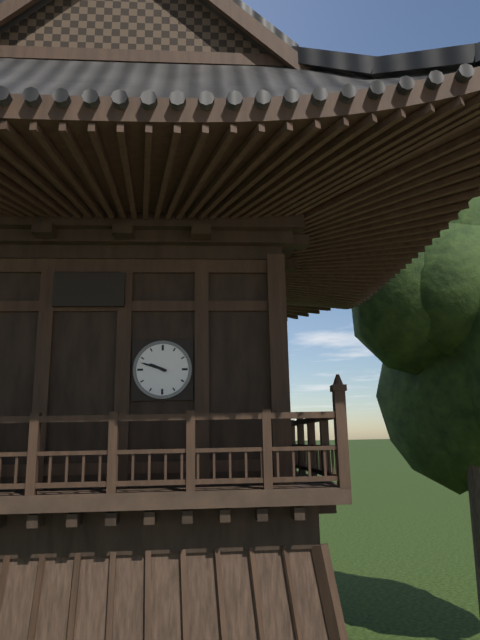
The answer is 9:48
